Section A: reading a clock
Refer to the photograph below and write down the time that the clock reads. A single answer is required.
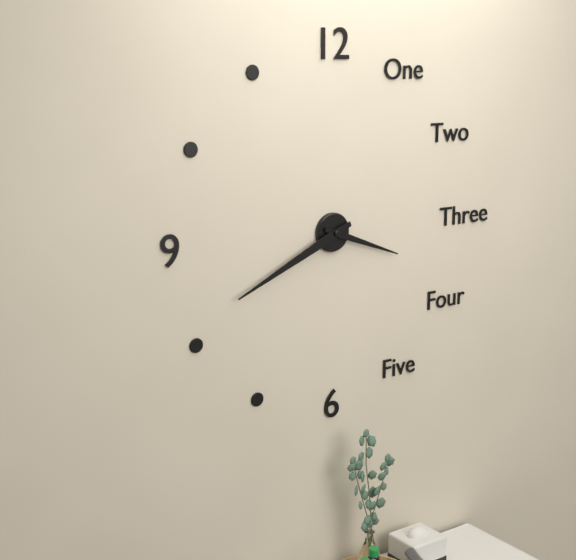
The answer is 3:41
